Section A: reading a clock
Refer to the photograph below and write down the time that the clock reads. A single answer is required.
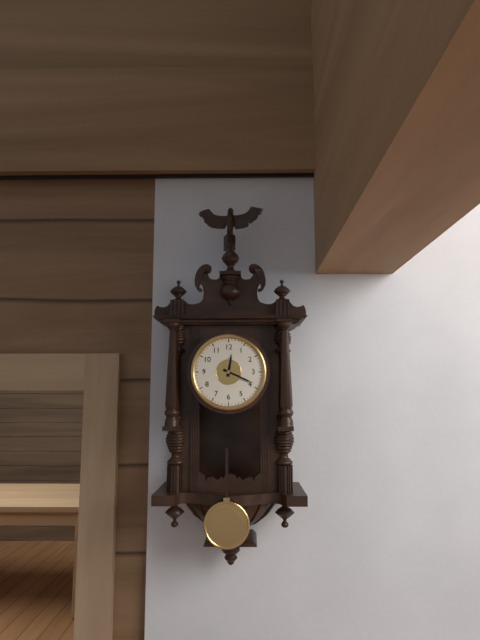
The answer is 12:19
